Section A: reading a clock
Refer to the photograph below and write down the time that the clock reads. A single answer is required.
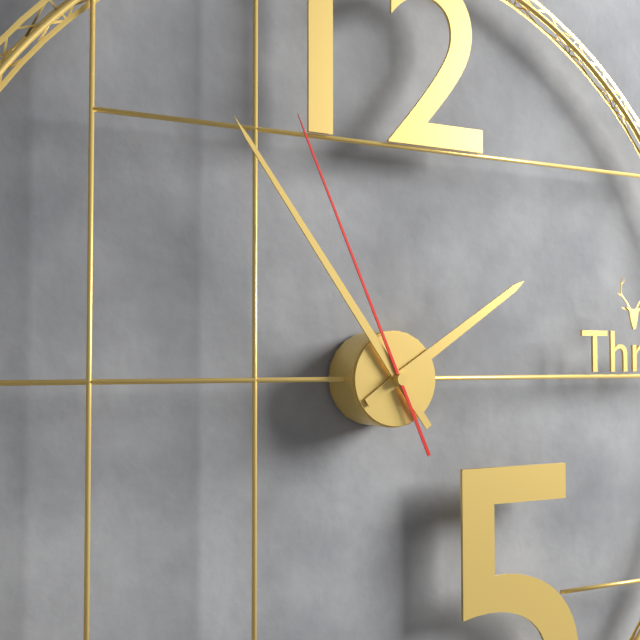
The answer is 1:54:56
